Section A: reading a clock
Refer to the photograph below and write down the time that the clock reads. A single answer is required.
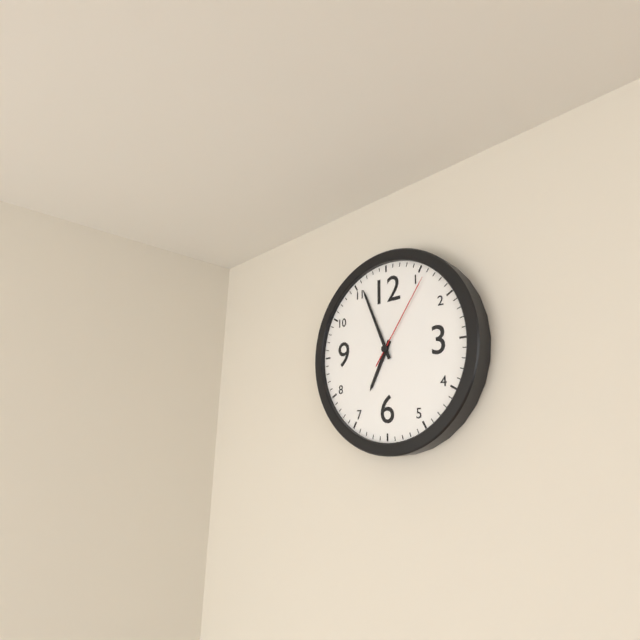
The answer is 6:56:06
